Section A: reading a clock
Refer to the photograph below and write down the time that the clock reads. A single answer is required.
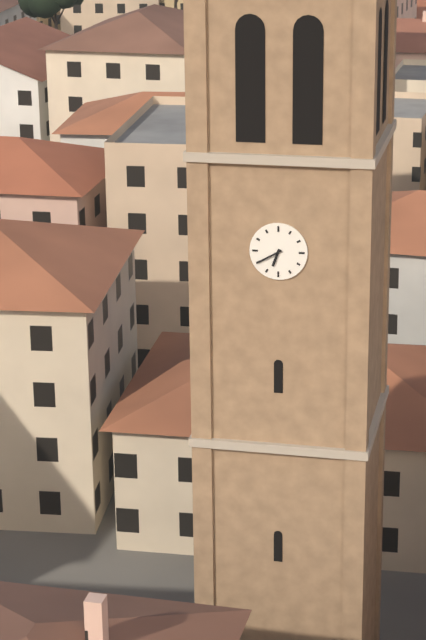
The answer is 6:40
